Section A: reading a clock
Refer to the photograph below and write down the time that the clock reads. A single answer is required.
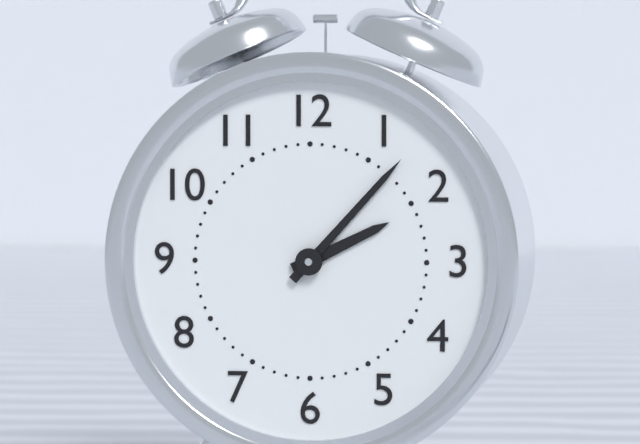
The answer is 2:07
